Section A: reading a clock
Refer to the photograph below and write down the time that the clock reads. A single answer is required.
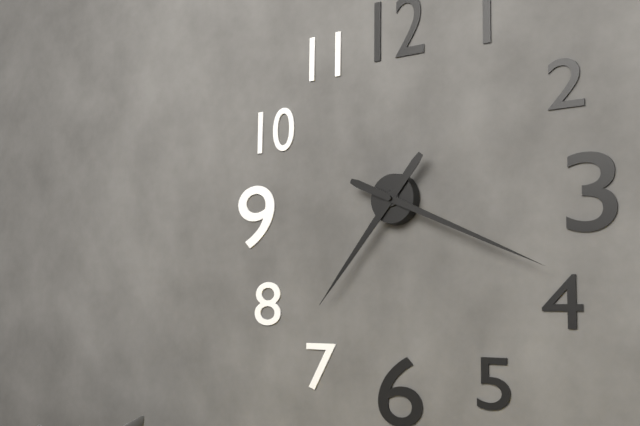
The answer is 7:19
